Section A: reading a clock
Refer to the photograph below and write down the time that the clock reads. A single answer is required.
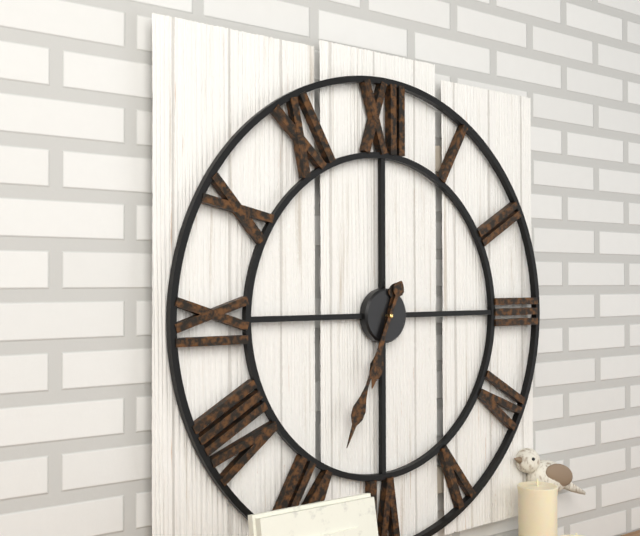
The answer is 6:34
